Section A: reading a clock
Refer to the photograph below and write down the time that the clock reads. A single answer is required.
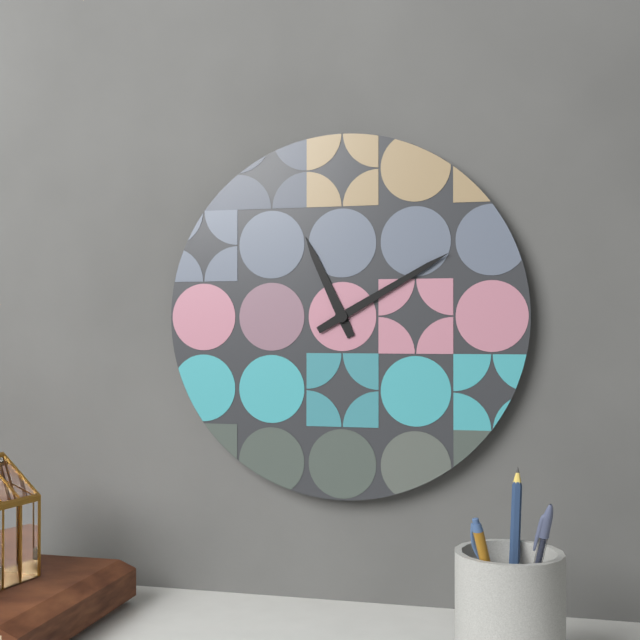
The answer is 11:10
